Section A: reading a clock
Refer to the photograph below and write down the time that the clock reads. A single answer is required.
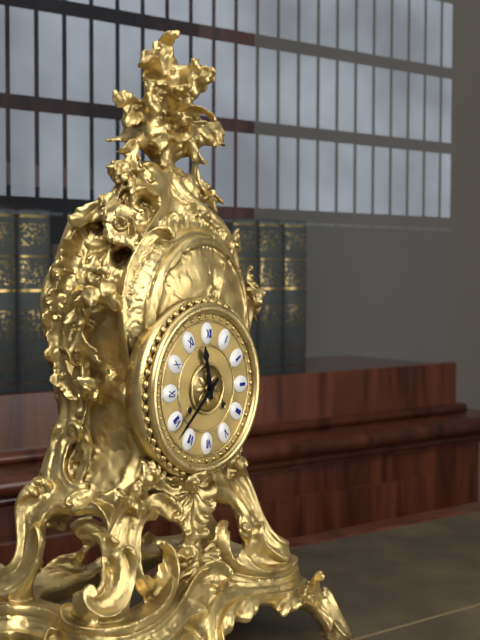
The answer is 11:38
